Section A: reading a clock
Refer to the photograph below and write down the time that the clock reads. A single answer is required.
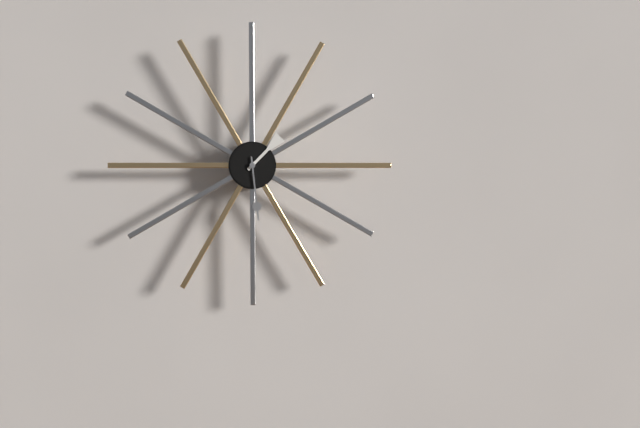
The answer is 1:29
